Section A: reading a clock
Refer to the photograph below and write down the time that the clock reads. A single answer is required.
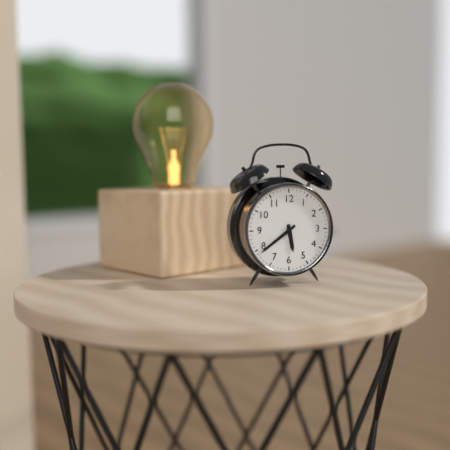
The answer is 5:39
